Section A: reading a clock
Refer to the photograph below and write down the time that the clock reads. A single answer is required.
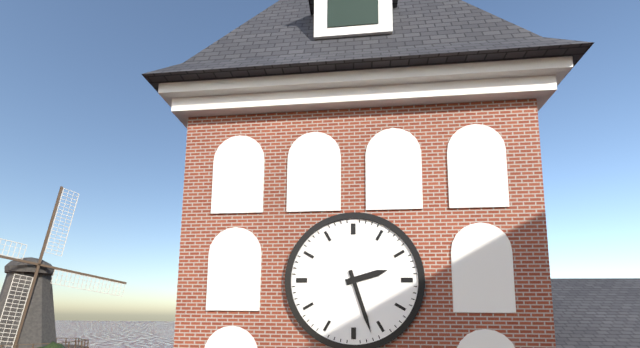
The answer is 2:27
